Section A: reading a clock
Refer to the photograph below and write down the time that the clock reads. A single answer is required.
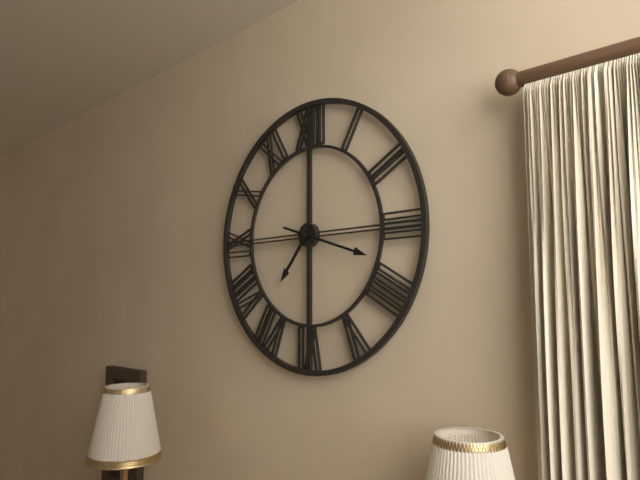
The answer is 7:18
